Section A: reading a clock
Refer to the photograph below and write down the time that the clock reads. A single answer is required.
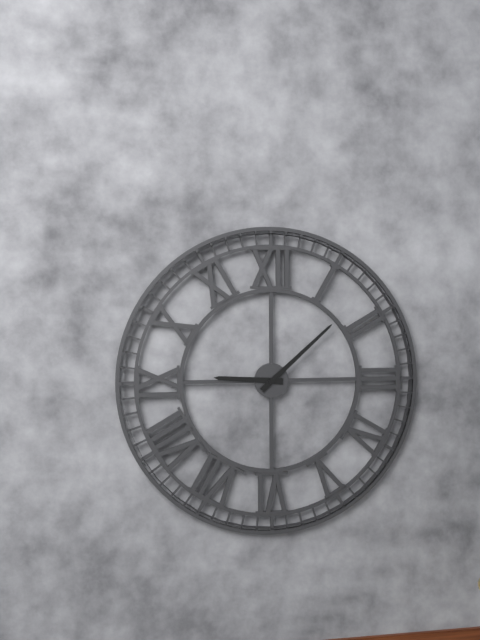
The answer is 9:08
